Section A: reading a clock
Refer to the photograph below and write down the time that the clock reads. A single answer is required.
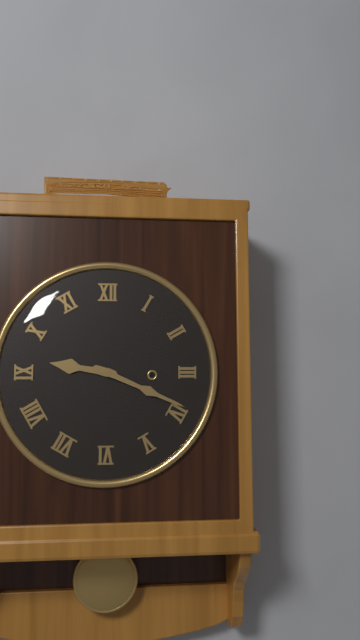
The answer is 9:19
